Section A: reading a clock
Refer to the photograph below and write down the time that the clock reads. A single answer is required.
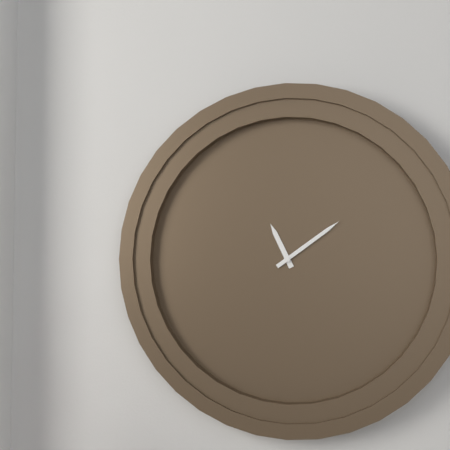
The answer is 11:09
